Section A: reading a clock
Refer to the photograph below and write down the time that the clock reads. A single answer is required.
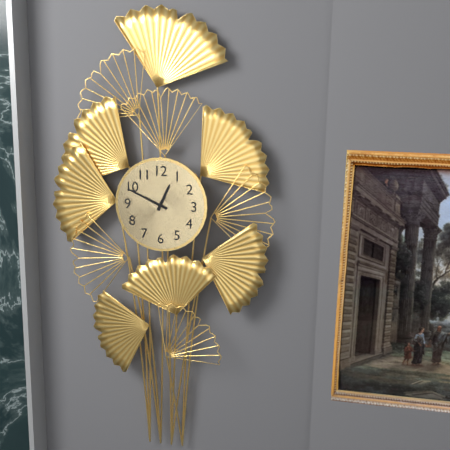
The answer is 12:49
